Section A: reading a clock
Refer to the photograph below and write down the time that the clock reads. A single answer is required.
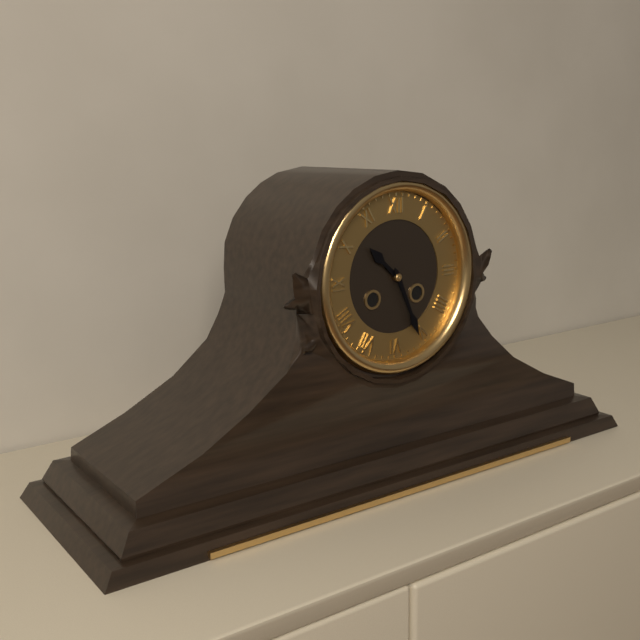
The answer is 10:26
